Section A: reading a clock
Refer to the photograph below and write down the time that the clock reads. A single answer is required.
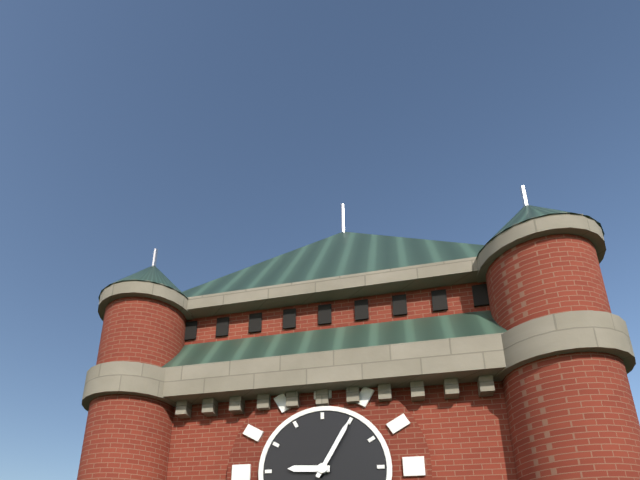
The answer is 9:05
